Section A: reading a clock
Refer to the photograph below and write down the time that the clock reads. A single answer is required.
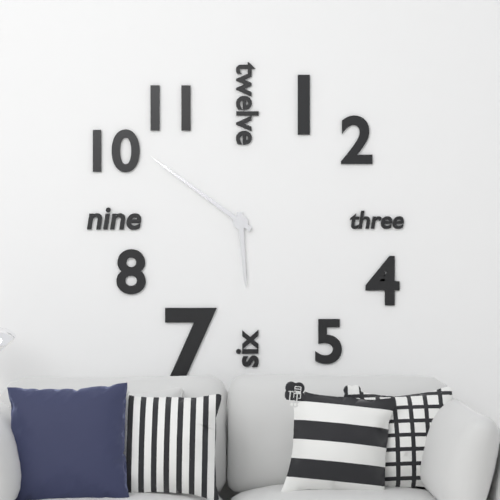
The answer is 5:51
